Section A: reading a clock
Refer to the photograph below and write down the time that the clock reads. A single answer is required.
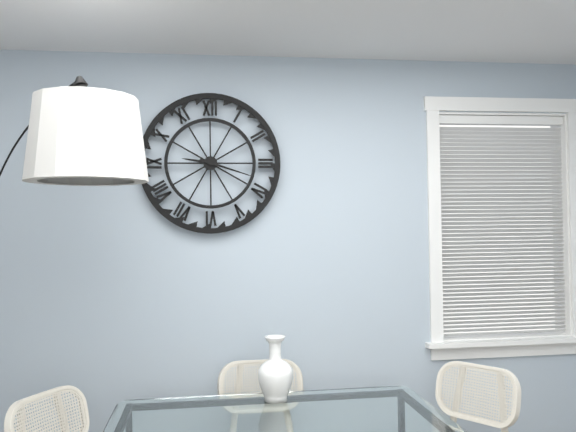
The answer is 9:18
